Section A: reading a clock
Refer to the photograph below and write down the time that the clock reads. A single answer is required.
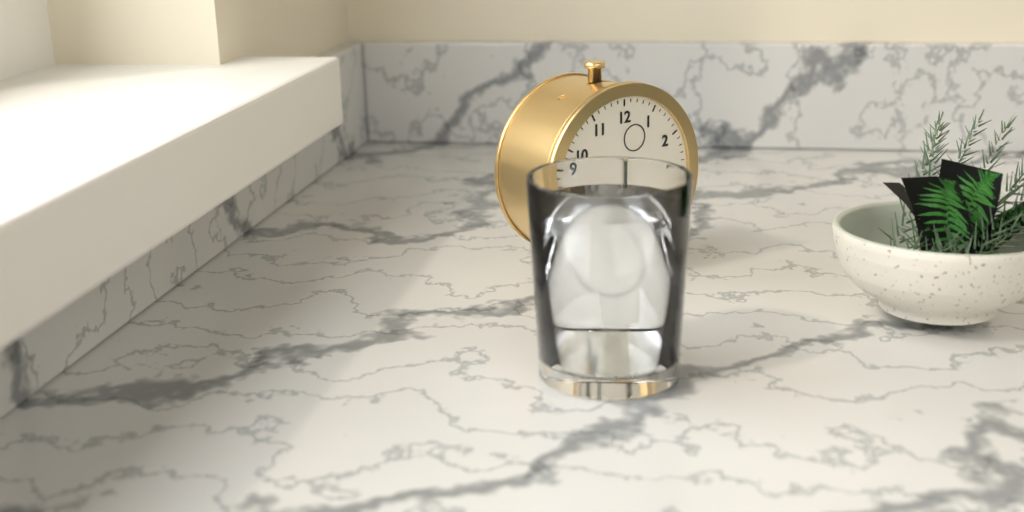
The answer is 3:30
